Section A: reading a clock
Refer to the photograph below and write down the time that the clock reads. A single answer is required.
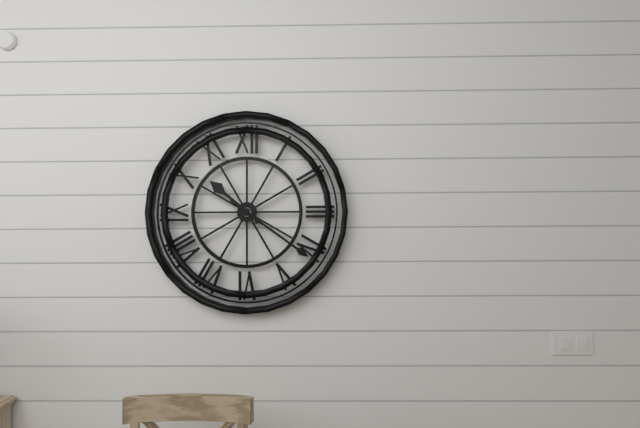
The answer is 10:21
